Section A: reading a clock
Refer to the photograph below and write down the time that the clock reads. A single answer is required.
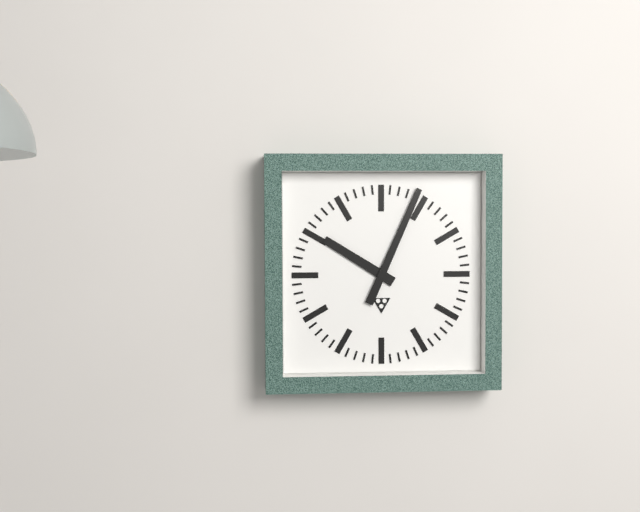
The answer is 10:04
